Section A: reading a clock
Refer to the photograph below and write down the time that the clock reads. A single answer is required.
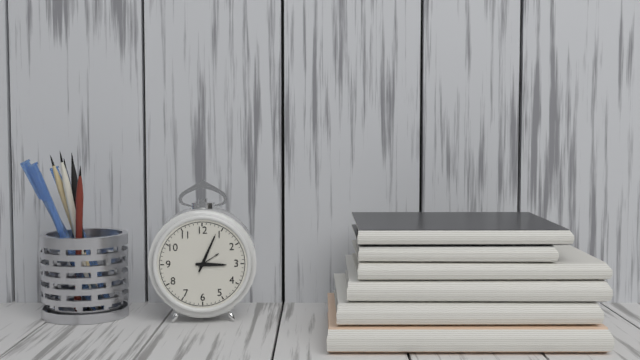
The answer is 3:04
